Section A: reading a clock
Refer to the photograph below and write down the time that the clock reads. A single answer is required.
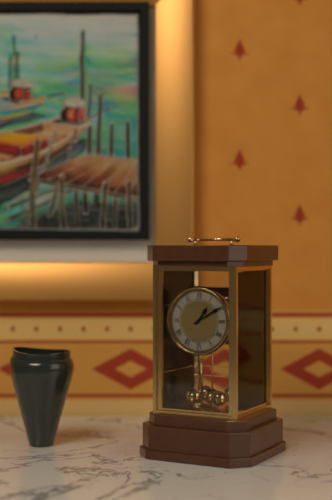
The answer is 1:10
